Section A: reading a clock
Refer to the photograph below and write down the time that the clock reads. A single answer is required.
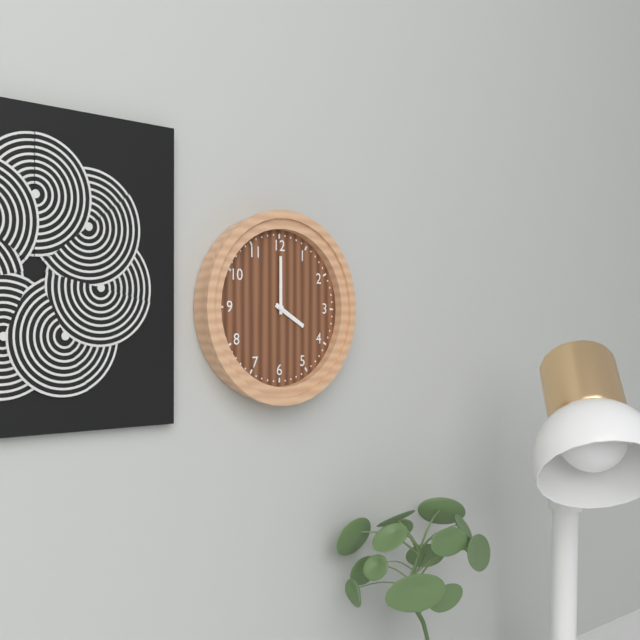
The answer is 4:00
